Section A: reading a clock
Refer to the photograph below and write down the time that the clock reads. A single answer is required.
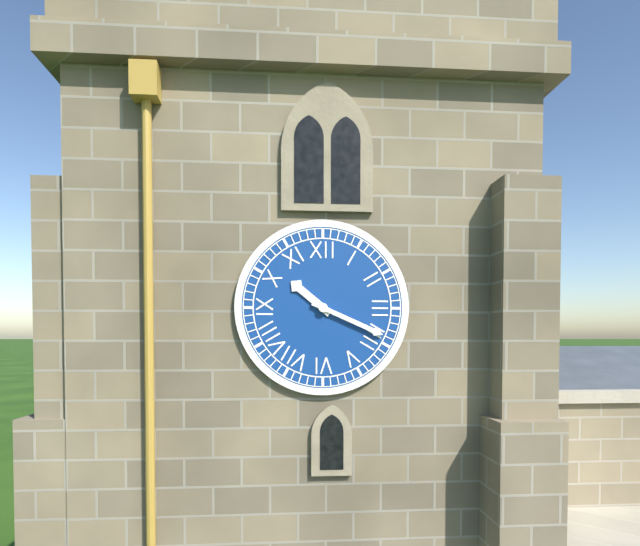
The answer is 10:19
